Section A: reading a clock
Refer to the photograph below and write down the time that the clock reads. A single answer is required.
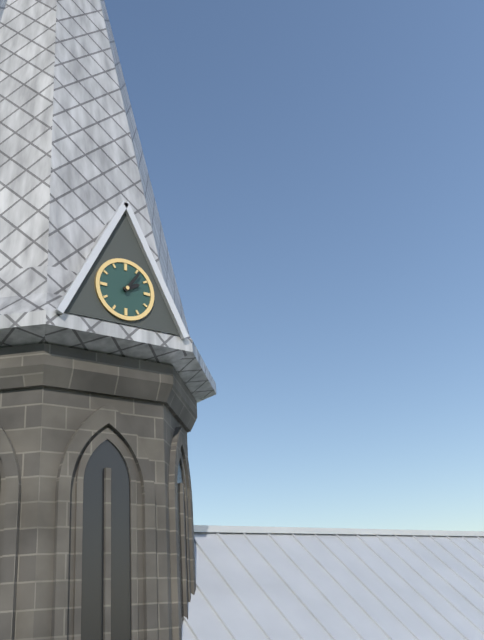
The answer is 2:06
